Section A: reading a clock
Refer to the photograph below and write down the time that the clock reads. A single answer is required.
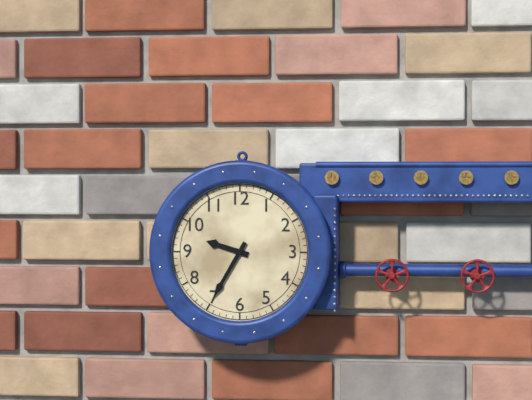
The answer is 9:35
